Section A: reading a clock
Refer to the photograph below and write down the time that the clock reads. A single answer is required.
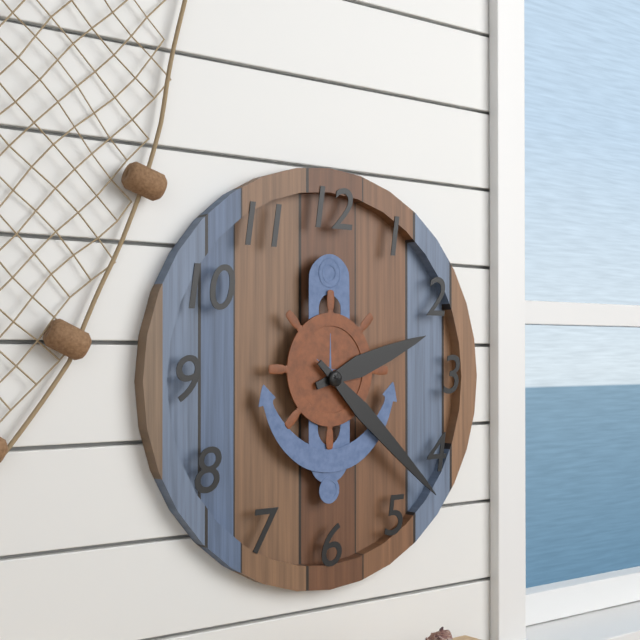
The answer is 2:22
